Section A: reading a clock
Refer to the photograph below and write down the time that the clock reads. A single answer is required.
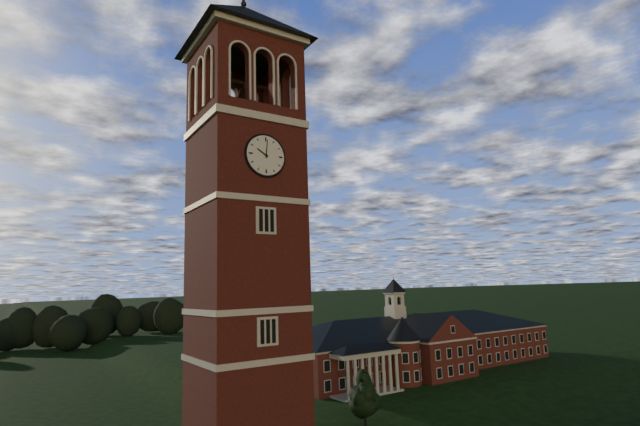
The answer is 10:01
